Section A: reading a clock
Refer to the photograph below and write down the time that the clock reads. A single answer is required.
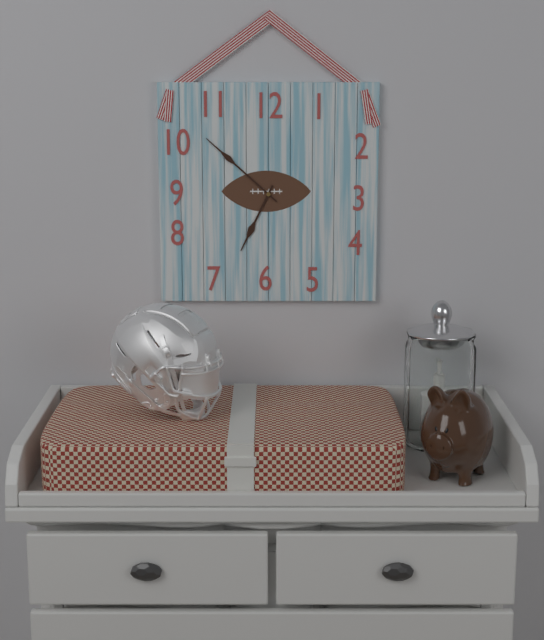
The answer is 6:52
